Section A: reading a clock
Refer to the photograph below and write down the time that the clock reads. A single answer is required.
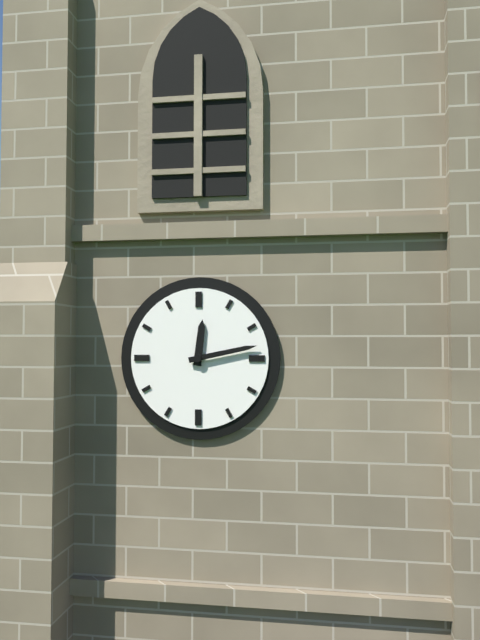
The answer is 12:13
